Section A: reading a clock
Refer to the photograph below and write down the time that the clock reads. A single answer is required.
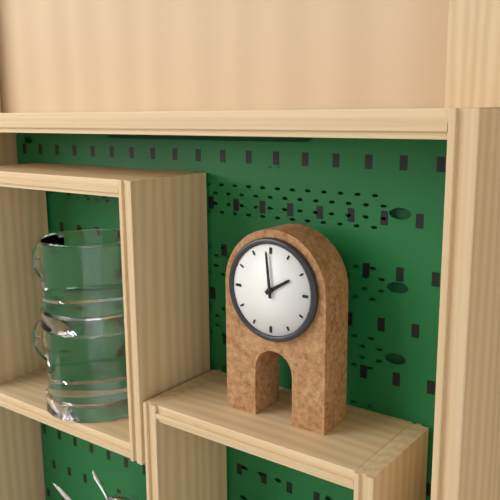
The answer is 1:59
